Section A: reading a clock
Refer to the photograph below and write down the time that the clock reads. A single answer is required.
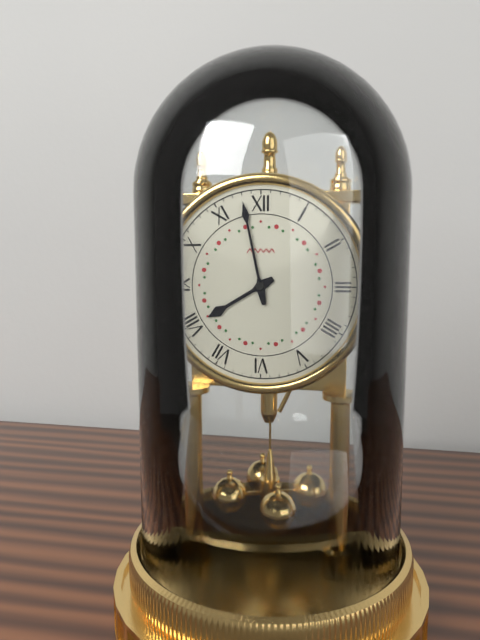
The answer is 7:58
